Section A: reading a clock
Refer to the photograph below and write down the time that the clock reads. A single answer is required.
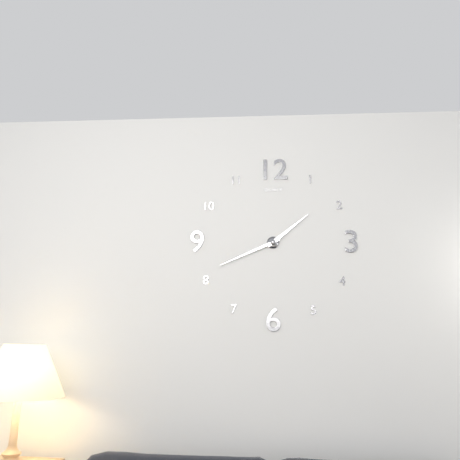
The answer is 1:41
